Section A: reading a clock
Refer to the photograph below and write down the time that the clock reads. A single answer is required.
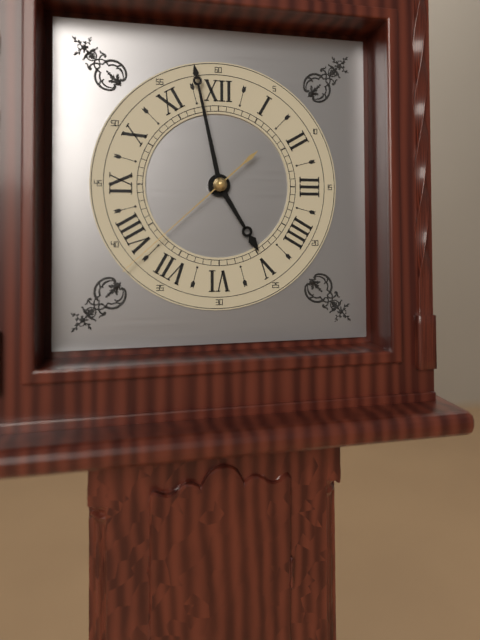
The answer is 4:58:38
